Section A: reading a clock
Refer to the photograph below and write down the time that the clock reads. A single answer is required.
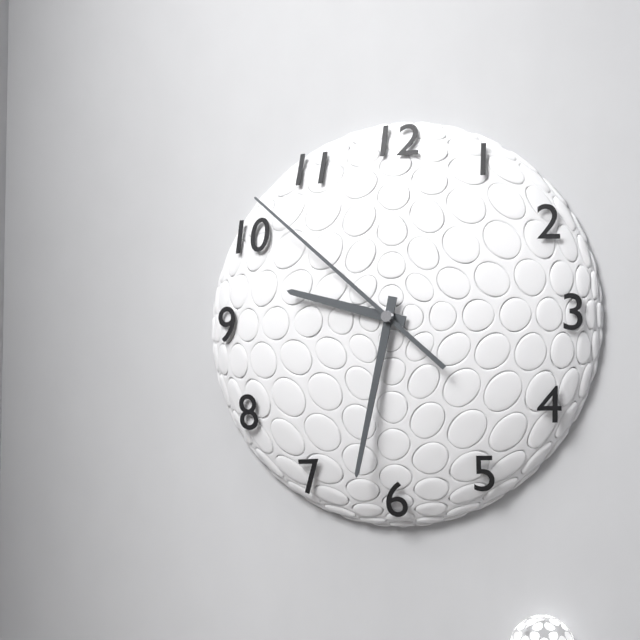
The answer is 9:32:52
